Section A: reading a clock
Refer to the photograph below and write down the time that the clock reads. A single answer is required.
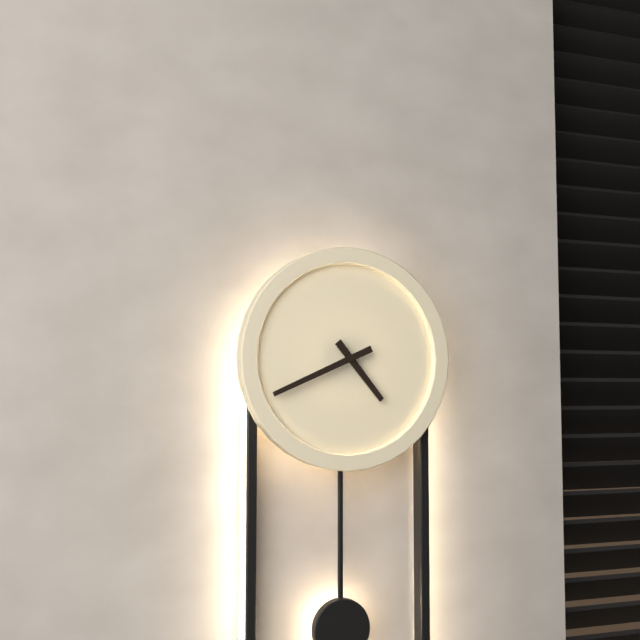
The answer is 4:41
